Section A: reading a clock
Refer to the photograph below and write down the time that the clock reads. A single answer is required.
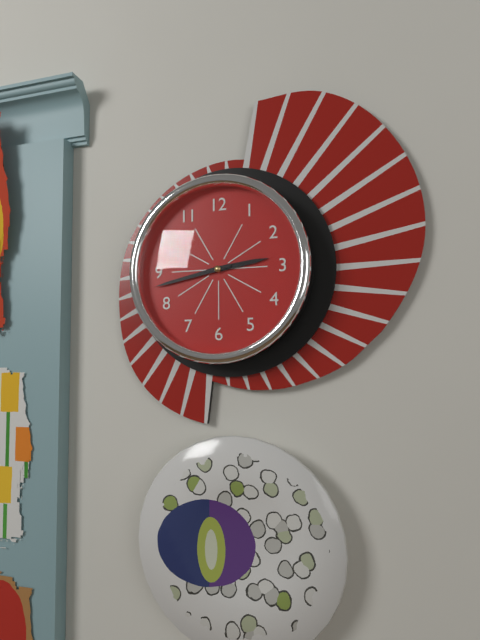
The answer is 2:43
